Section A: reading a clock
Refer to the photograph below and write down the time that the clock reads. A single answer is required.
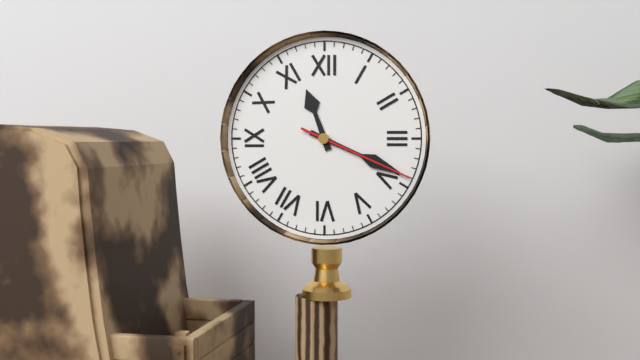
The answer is 11:19:19
